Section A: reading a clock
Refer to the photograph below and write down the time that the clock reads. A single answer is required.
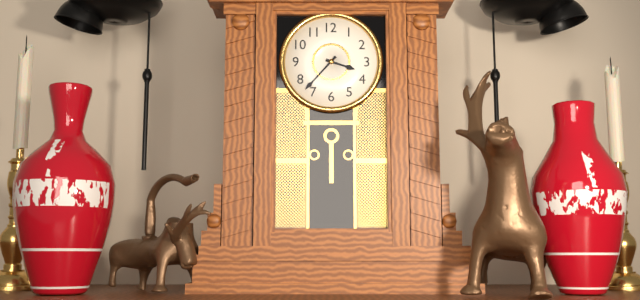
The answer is 3:37
